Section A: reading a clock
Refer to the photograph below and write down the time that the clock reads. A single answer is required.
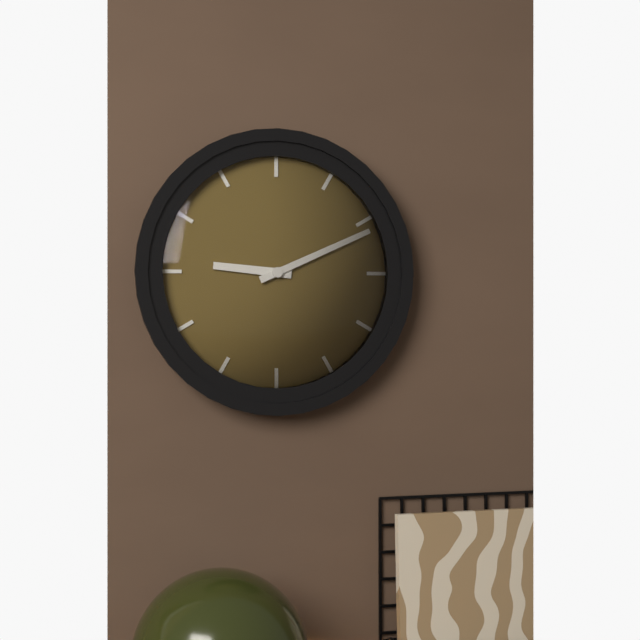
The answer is 9:11
